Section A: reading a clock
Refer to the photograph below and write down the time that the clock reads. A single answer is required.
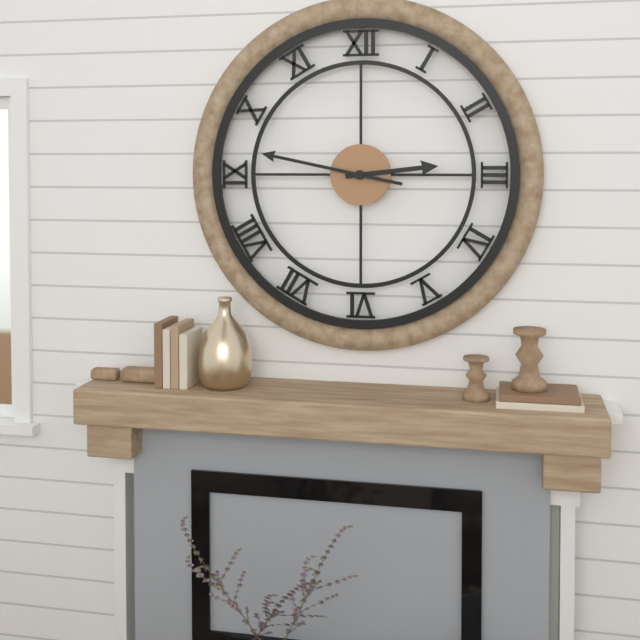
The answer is 2:47
